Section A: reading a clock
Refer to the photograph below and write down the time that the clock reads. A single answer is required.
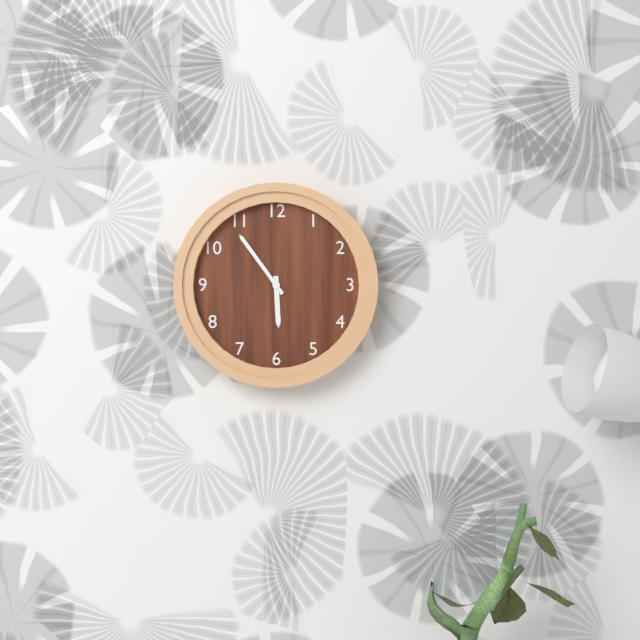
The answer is 5:54
